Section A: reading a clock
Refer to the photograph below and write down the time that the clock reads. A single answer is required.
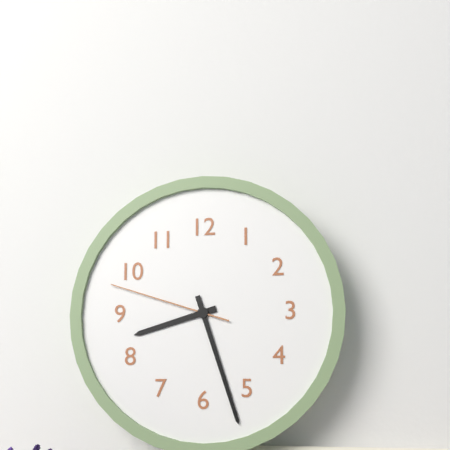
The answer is 8:27:48
